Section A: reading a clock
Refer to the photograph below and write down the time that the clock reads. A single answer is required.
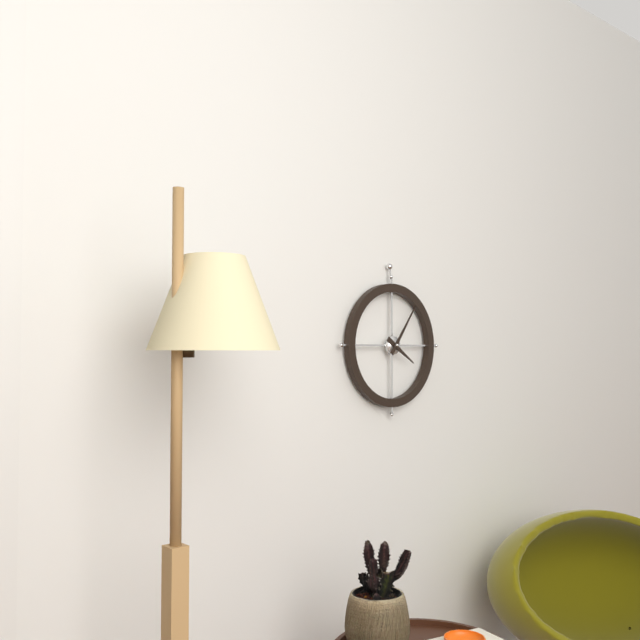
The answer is 4:06
